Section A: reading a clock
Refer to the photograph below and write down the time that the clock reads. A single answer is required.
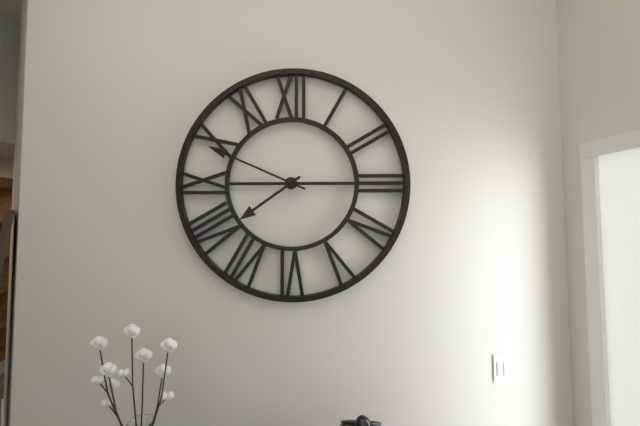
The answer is 7:49
